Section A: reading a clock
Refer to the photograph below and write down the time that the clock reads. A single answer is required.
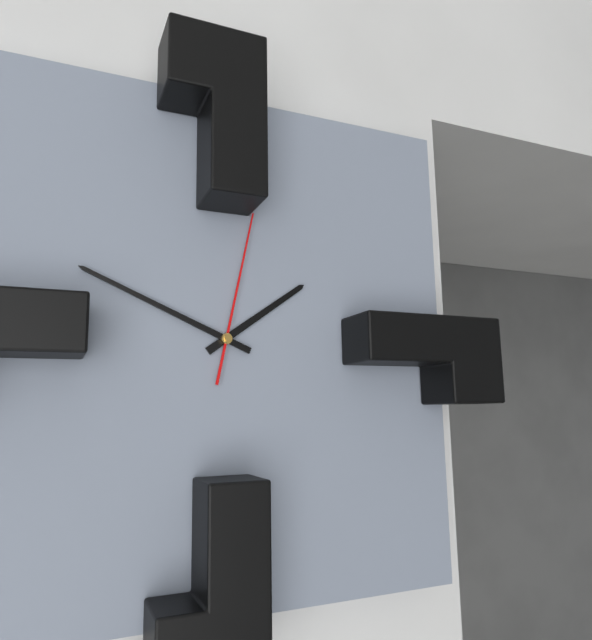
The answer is 1:49:02
